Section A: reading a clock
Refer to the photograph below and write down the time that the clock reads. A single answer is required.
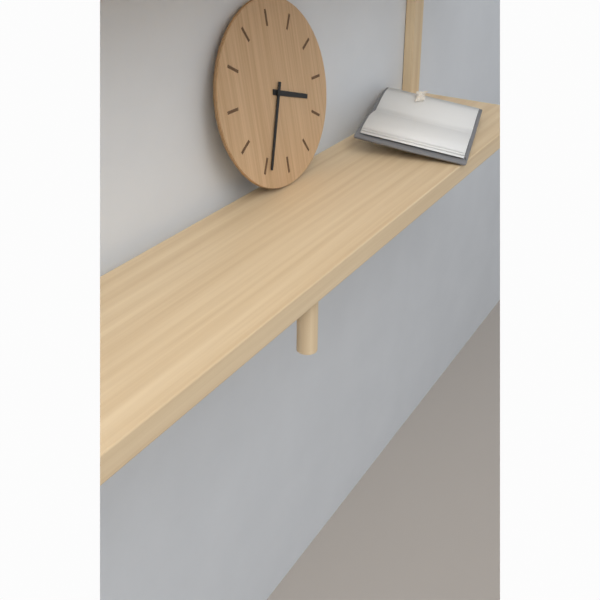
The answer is 3:34
